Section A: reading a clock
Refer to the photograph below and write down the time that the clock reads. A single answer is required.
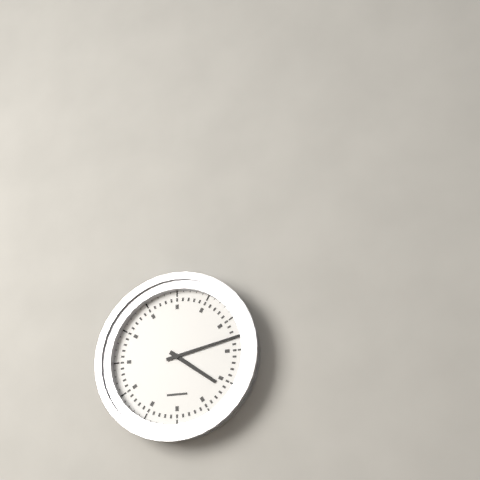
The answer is 4:13
